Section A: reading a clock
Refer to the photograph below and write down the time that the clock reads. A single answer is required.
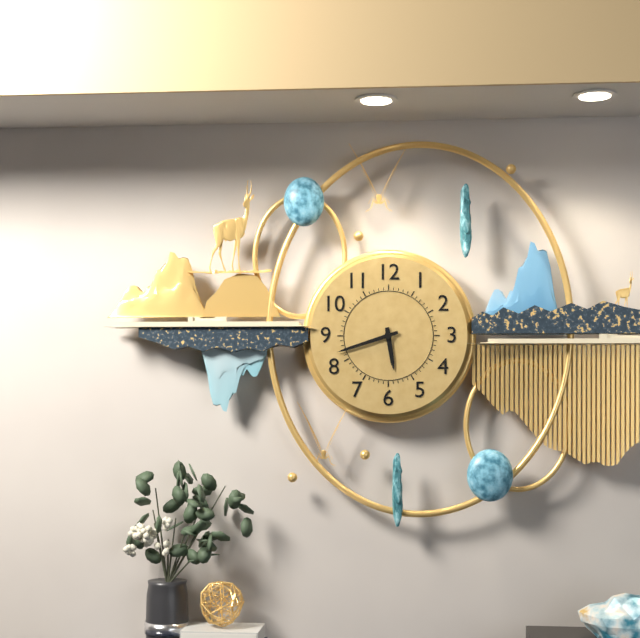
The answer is 5:42
